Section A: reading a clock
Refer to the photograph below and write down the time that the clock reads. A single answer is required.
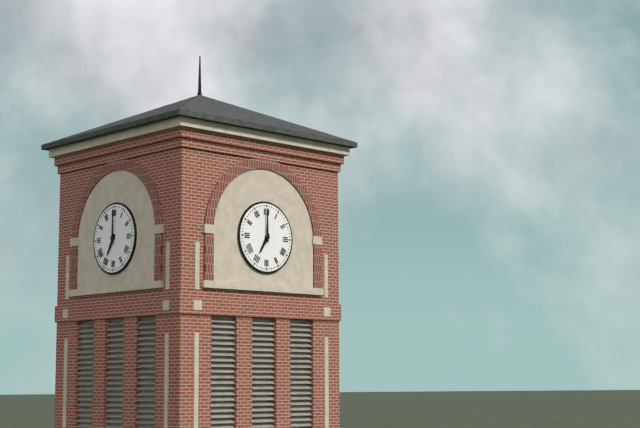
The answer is 7:00
